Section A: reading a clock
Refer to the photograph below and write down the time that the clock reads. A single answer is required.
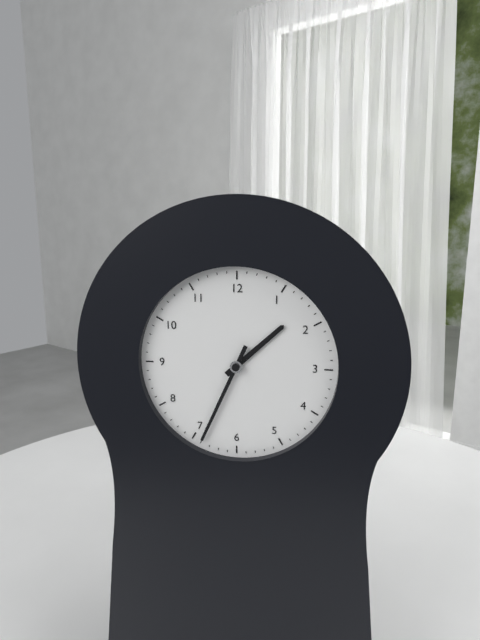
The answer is 1:34
